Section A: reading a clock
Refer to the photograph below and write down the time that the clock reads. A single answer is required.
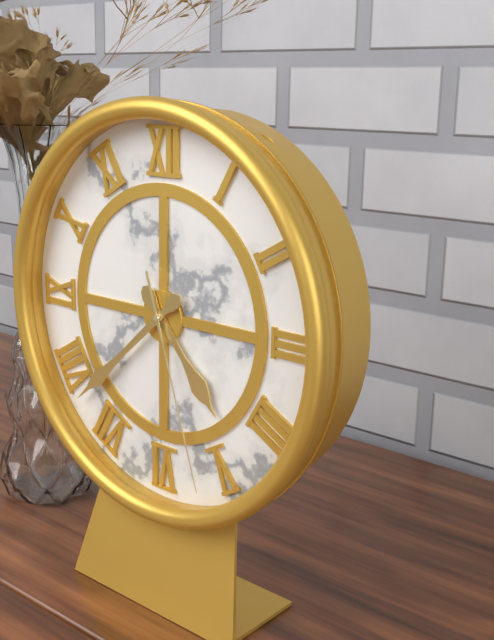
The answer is 4:38:27
